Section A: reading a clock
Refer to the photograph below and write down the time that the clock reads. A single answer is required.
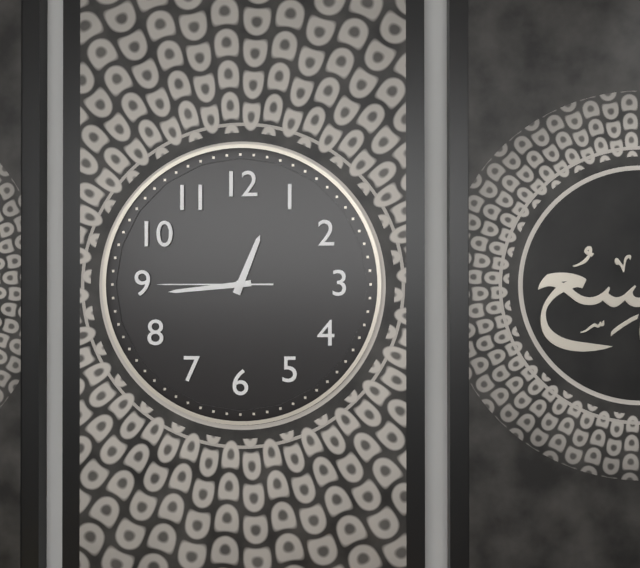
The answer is 12:44:45
